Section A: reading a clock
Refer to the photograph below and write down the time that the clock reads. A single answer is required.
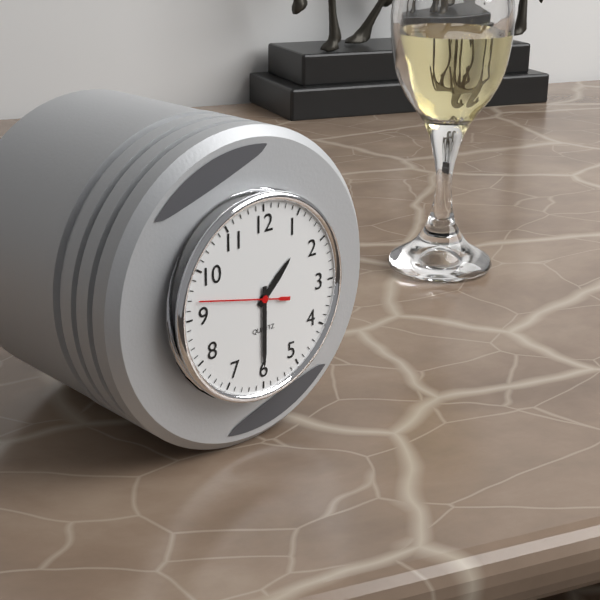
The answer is 1:30:47
